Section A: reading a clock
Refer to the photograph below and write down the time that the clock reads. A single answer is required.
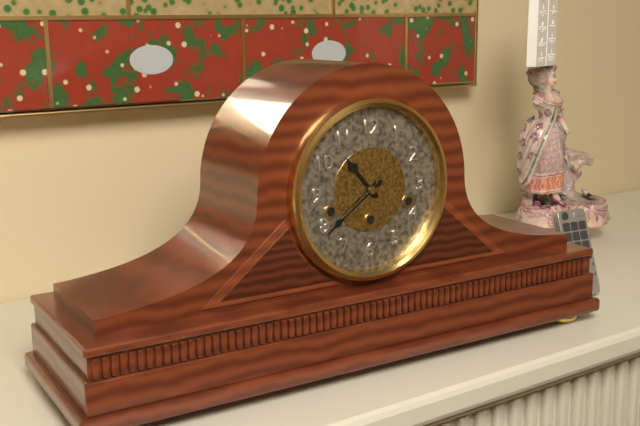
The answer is 10:39
